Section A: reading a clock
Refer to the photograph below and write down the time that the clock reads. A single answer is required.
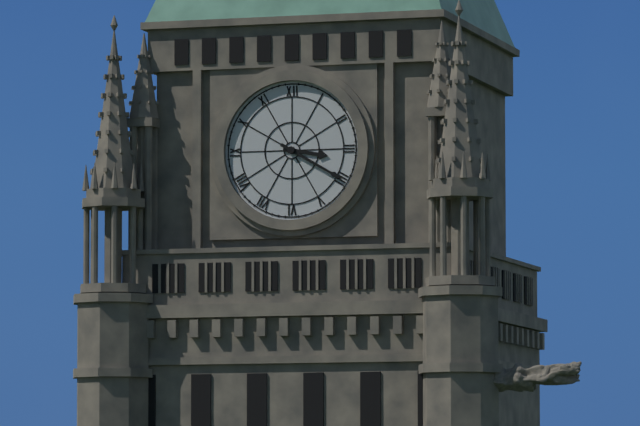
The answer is 3:20
